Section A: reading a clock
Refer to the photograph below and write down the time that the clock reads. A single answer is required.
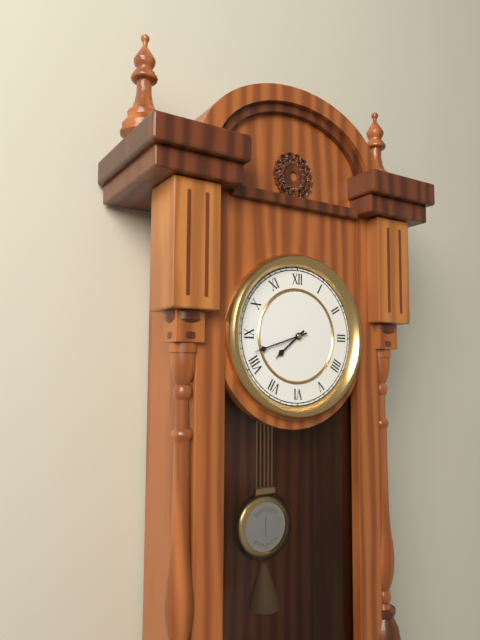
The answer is 7:42
